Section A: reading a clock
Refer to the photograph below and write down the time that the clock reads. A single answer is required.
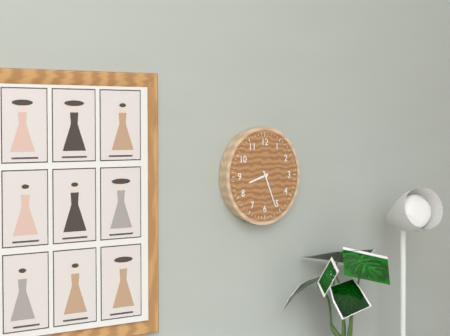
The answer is 8:26
